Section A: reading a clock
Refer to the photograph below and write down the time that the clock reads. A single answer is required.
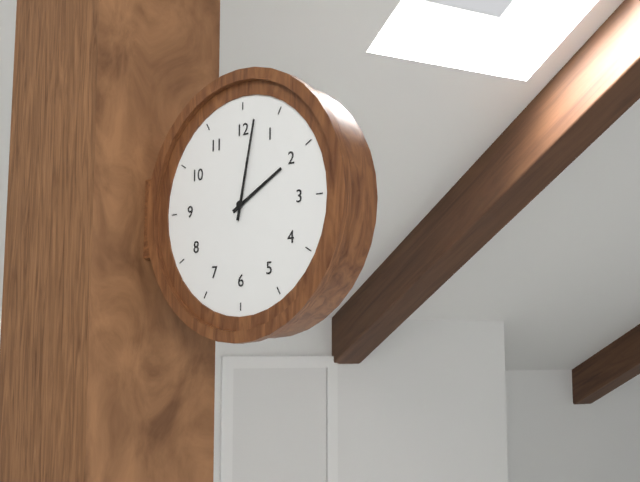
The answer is 2:02
